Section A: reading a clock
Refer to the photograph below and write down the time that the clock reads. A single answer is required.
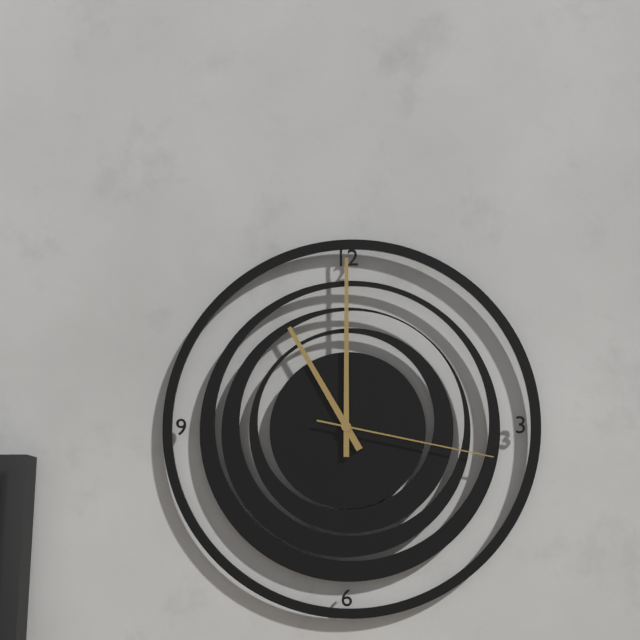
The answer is 11:00:17
